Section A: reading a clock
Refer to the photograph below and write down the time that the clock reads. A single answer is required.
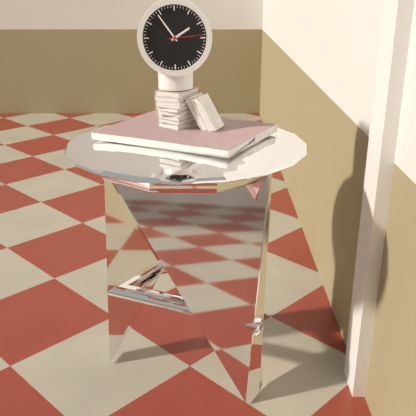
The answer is 1:54
